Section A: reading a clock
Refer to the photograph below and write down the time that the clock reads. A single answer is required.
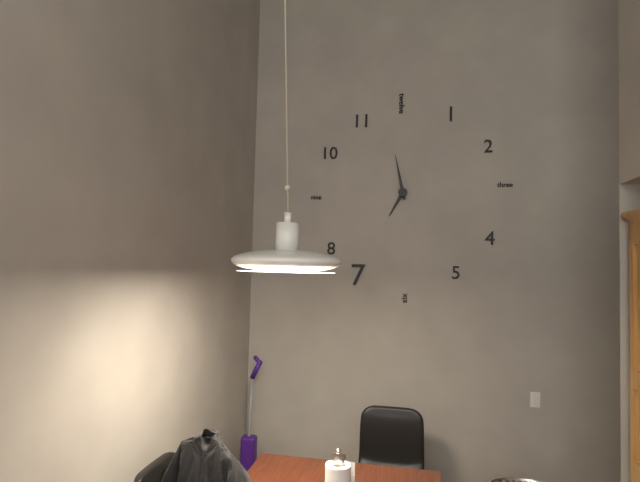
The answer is 6:58
